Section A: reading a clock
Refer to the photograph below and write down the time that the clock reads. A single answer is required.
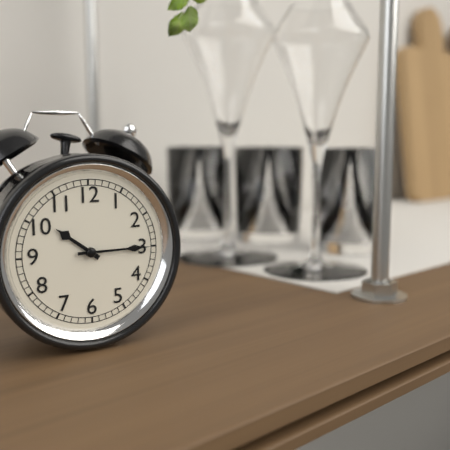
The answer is 10:15
